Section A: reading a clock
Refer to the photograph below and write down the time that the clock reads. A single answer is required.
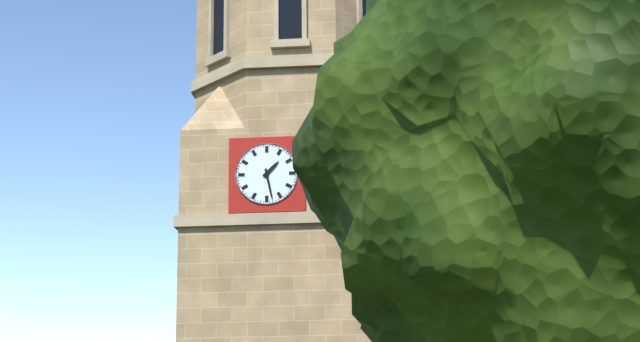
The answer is 1:28
